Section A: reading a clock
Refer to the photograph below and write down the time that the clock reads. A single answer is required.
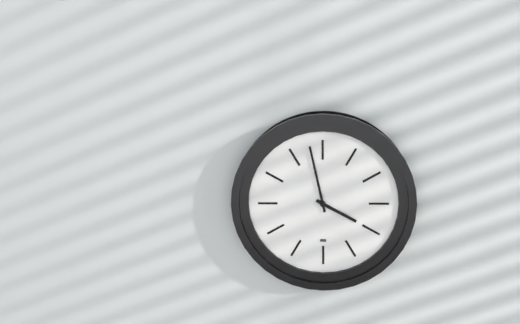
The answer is 3:58
